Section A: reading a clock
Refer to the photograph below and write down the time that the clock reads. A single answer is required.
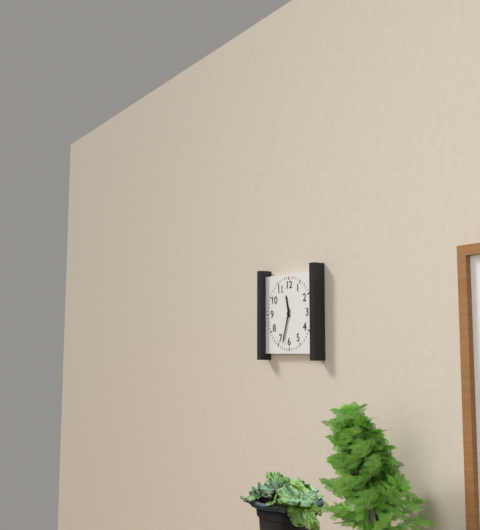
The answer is 11:33
